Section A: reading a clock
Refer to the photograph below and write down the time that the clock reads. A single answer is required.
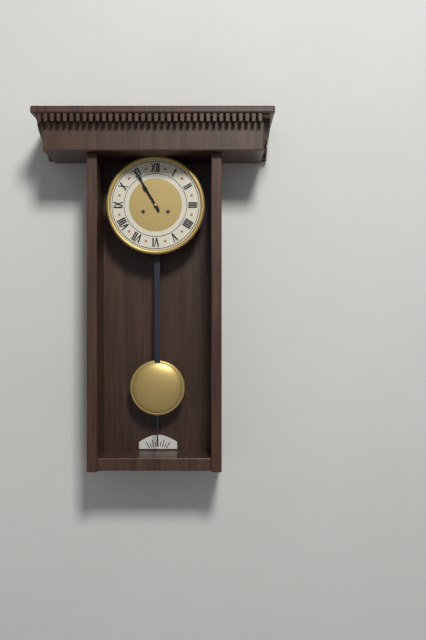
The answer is 10:55
